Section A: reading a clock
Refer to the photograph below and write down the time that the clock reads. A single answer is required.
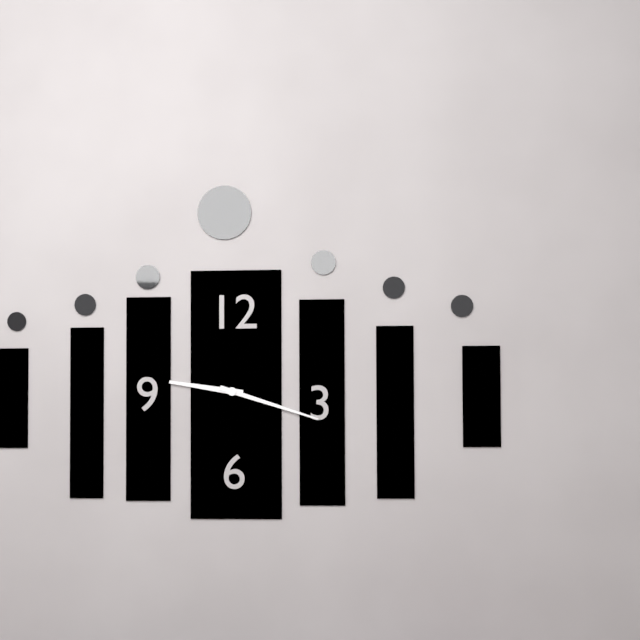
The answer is 9:18
